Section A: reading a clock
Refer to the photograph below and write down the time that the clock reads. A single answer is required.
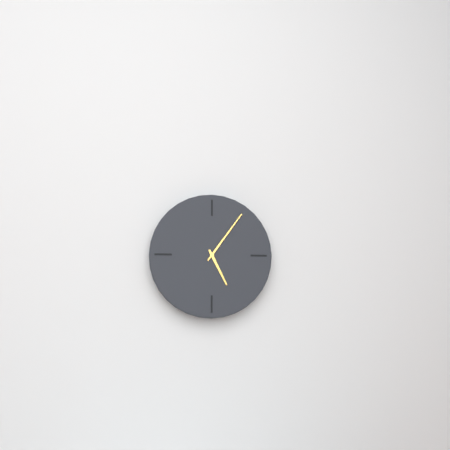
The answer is 5:06
